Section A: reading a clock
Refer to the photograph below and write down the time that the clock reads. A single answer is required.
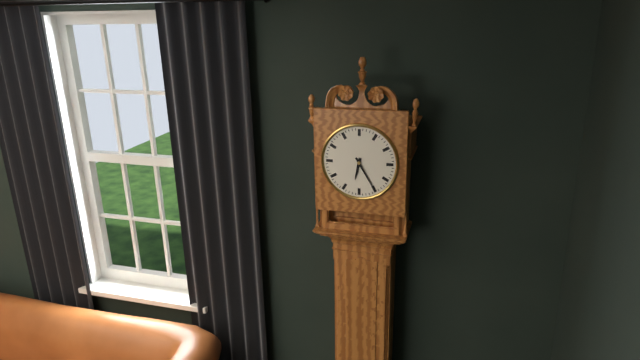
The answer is 6:25
